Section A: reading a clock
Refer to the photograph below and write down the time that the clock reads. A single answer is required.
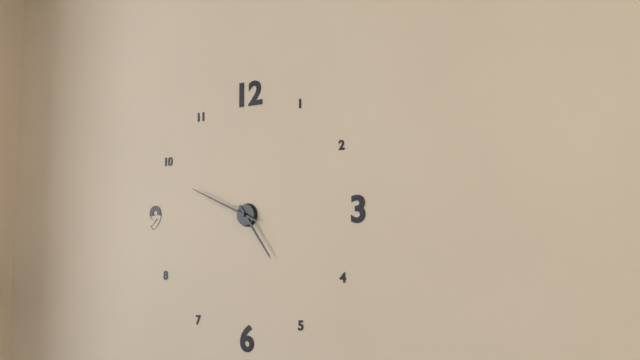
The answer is 4:49
